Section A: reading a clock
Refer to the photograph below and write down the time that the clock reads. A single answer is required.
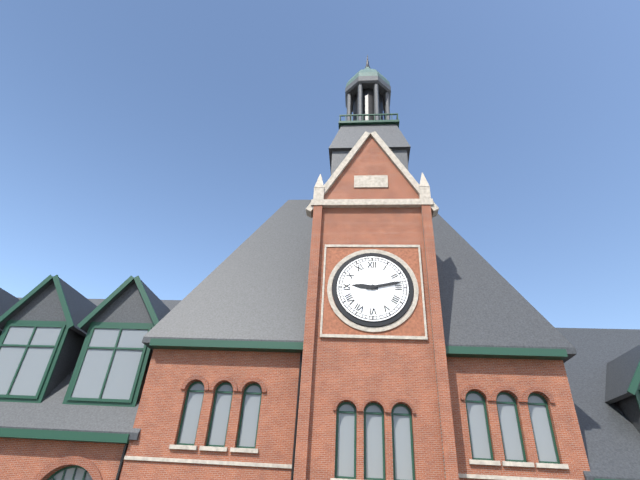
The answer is 9:13
